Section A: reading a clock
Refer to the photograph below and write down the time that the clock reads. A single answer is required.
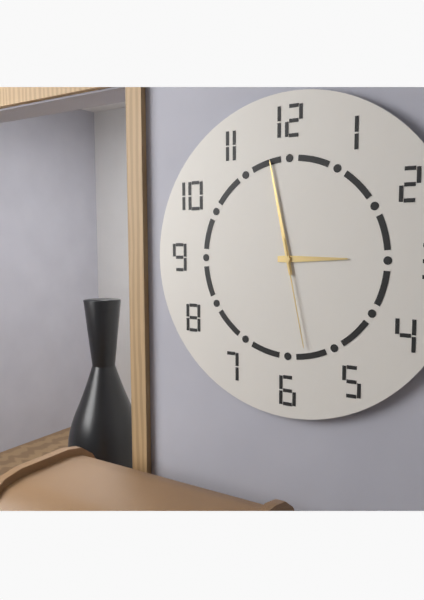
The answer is 2:58:28
